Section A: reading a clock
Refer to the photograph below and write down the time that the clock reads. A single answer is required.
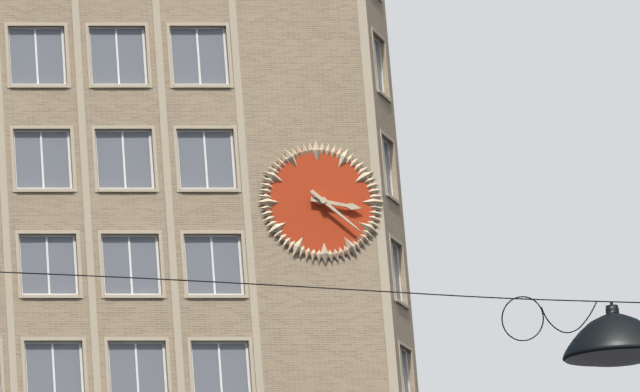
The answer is 3:22
